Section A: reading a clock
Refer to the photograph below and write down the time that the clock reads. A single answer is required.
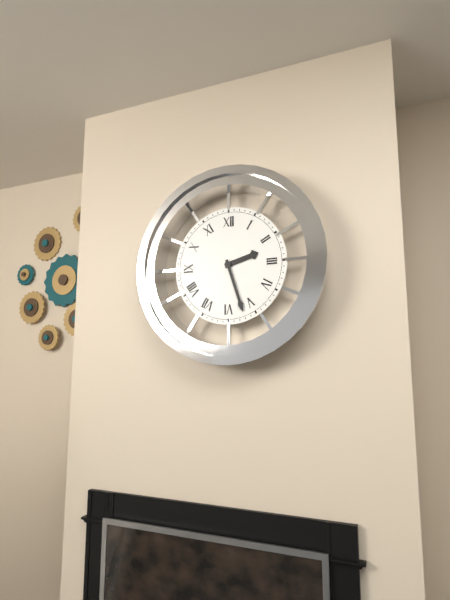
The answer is 2:27
